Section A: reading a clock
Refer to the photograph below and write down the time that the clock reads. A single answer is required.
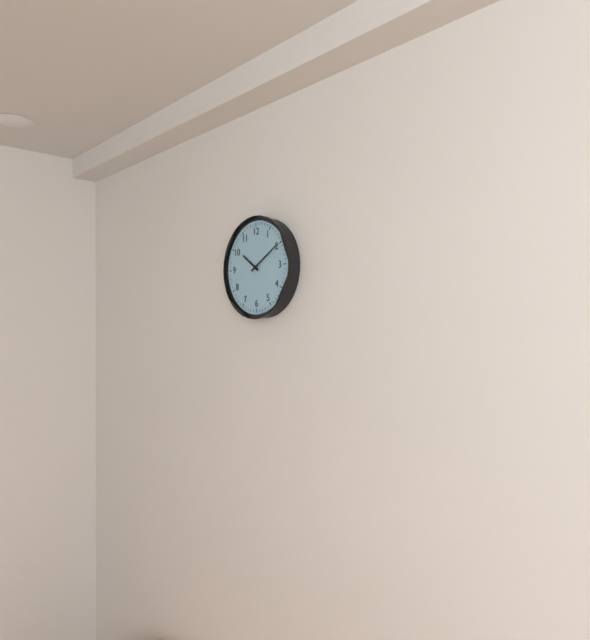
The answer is 10:10
